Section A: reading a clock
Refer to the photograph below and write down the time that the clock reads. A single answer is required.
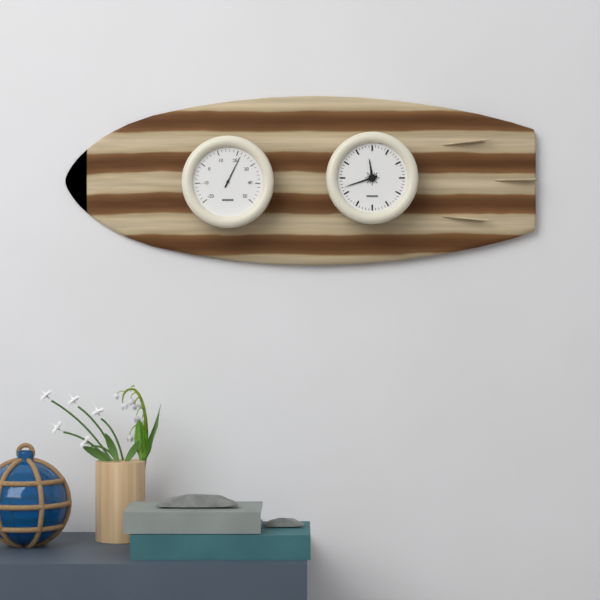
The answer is 11:42
